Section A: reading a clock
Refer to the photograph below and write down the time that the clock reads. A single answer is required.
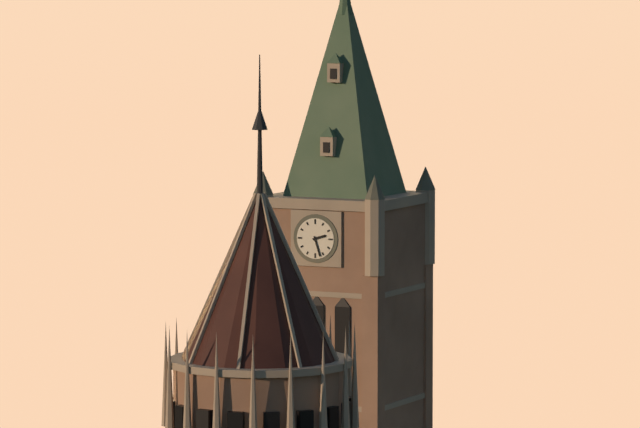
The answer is 2:27
